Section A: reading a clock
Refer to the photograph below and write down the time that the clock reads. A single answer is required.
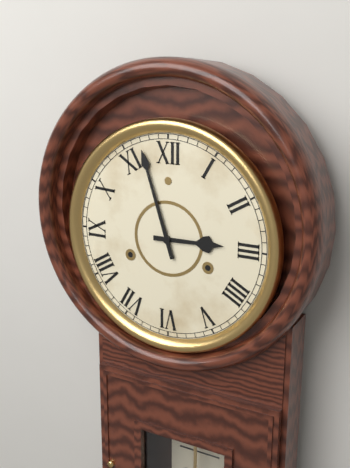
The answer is 2:57
